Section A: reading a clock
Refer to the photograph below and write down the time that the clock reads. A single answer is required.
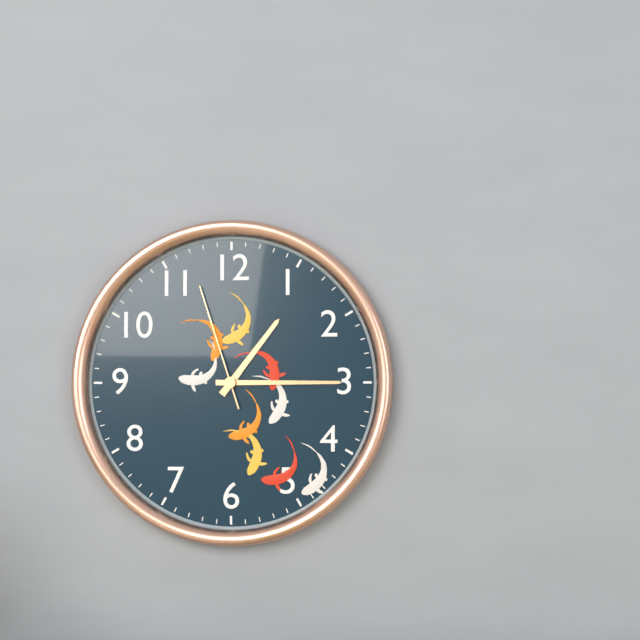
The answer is 1:15:57
